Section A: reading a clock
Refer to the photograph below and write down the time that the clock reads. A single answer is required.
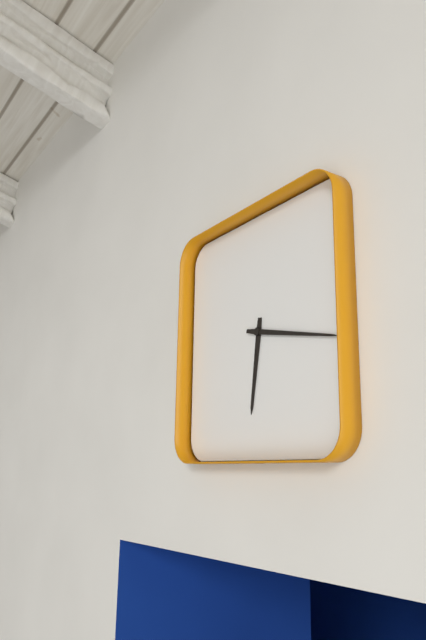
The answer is 6:17
